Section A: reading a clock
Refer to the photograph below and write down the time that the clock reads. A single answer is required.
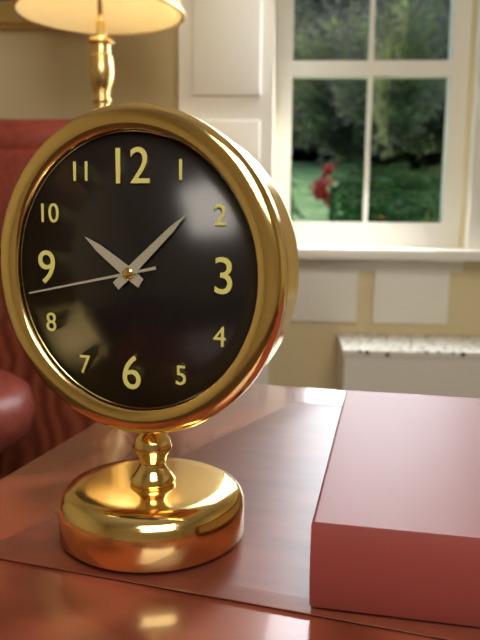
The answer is 10:08:43
